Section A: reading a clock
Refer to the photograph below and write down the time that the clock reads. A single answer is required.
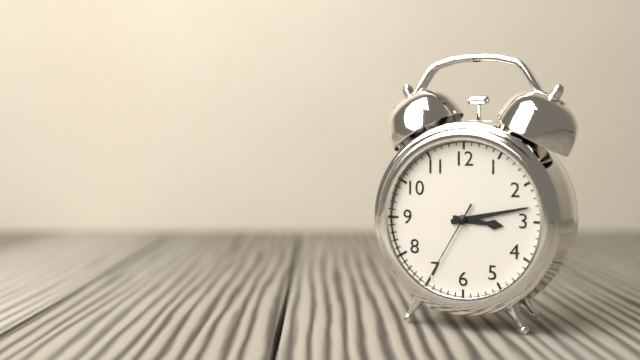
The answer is 3:13:35
